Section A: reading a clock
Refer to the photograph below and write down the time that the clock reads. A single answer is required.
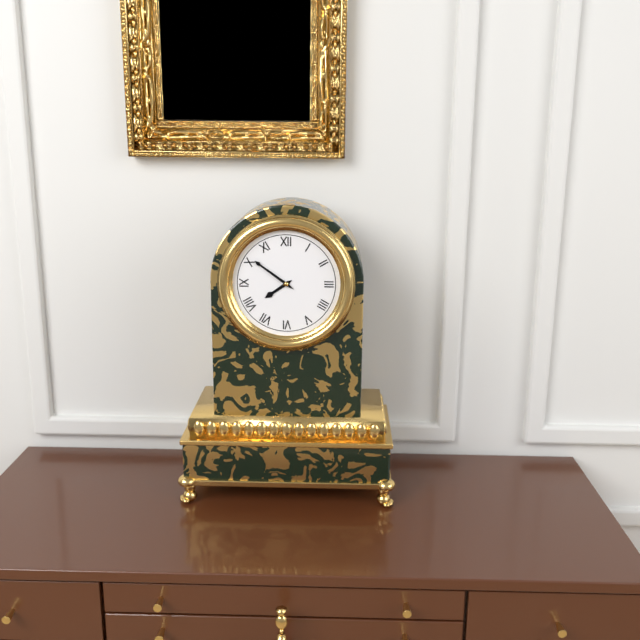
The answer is 7:51
